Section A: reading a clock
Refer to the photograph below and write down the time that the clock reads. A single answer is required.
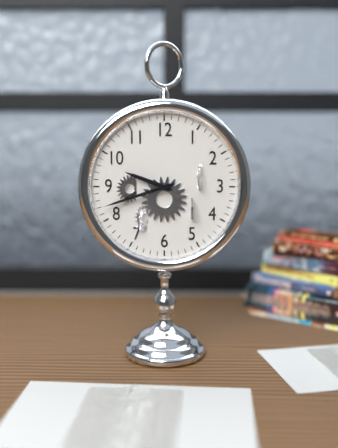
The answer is 9:42
